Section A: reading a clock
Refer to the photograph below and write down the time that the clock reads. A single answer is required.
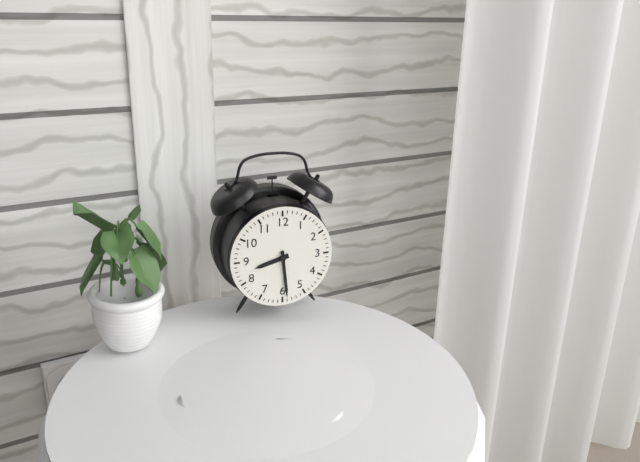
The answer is 8:29
